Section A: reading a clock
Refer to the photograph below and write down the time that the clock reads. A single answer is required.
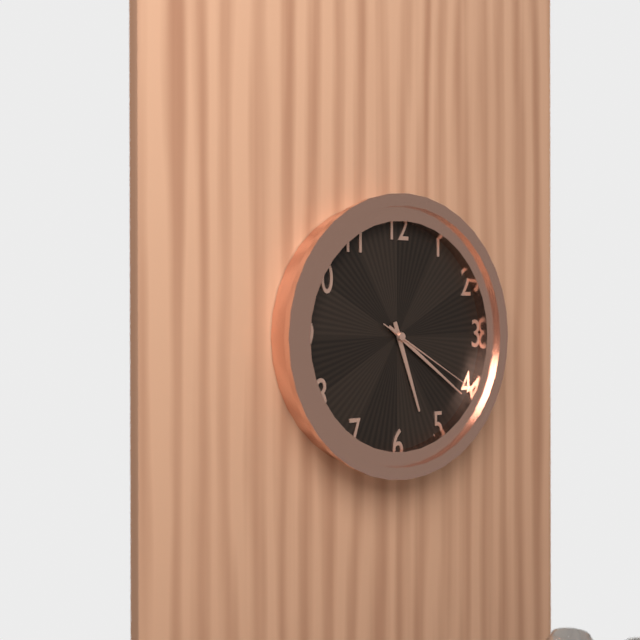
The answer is 5:21:20
